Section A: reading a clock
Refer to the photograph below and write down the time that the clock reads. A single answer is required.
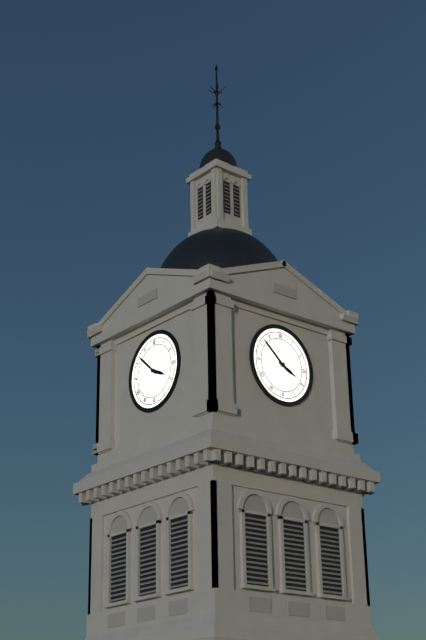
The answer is 3:52
